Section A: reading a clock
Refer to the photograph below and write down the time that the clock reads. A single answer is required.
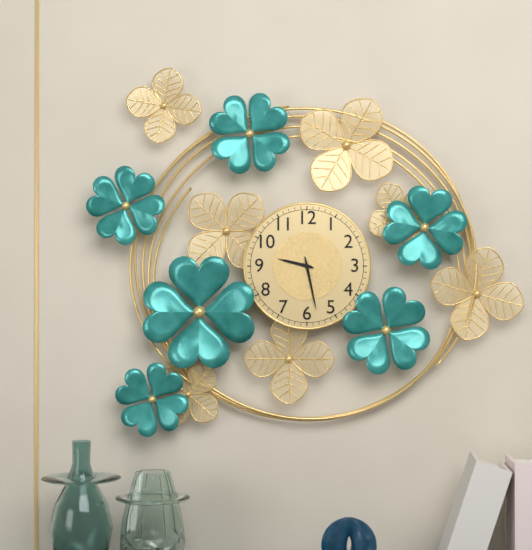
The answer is 9:28
